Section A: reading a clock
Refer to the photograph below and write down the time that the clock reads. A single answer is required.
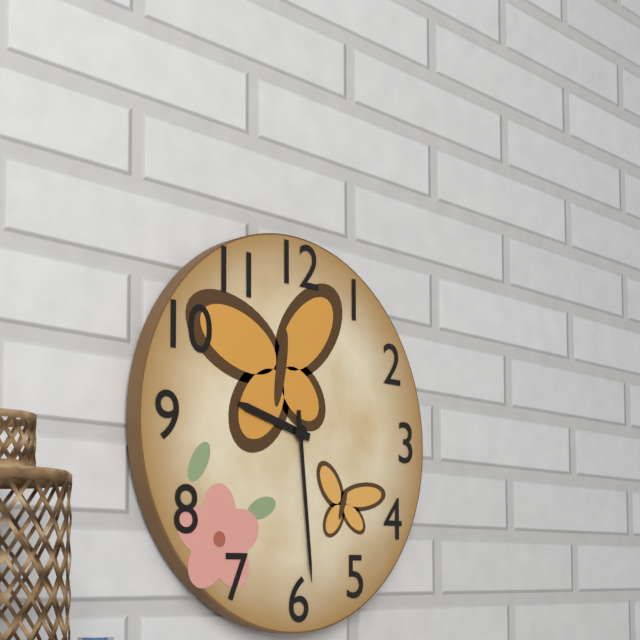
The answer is 9:29
